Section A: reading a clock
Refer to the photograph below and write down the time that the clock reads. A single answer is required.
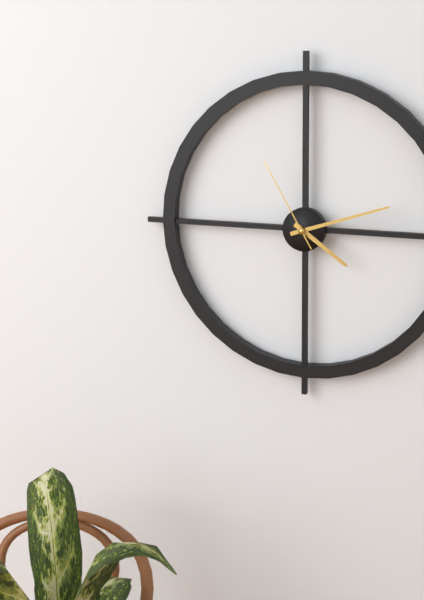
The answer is 4:12:55
